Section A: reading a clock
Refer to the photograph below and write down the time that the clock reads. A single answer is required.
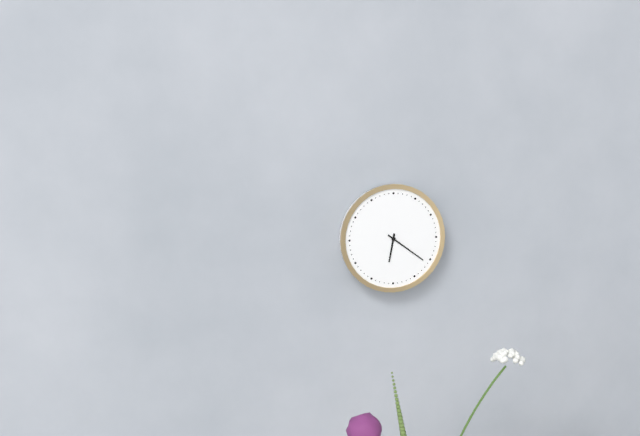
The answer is 6:21
